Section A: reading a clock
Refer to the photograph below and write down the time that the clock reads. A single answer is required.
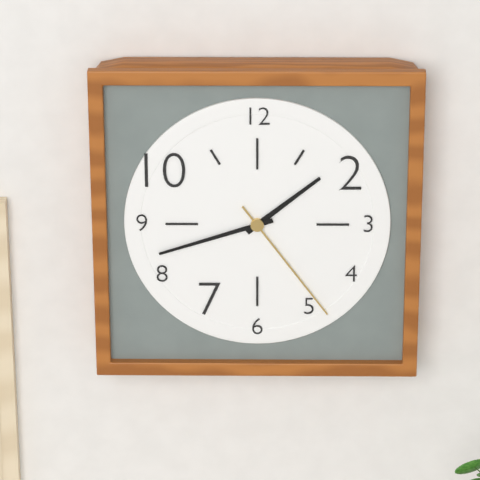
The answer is 1:42:24
